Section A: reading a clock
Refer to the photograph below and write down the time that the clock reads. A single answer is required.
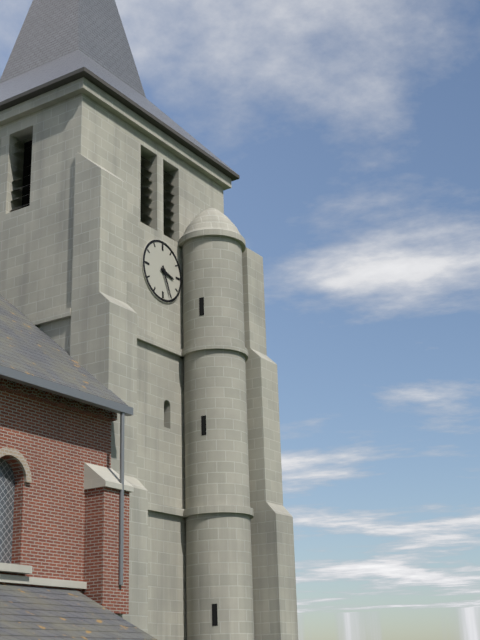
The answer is 3:26
